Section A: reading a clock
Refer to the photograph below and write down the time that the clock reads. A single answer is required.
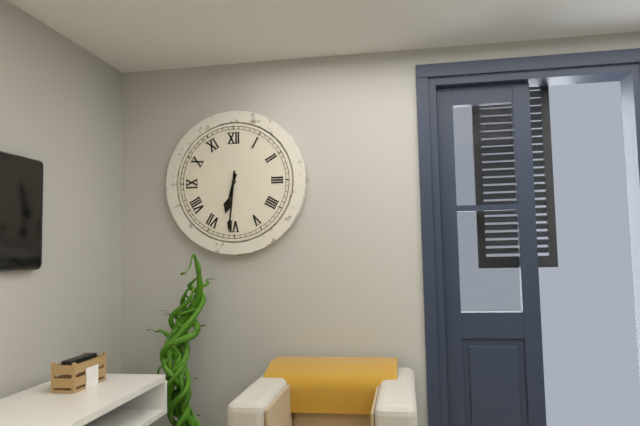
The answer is 6:31
